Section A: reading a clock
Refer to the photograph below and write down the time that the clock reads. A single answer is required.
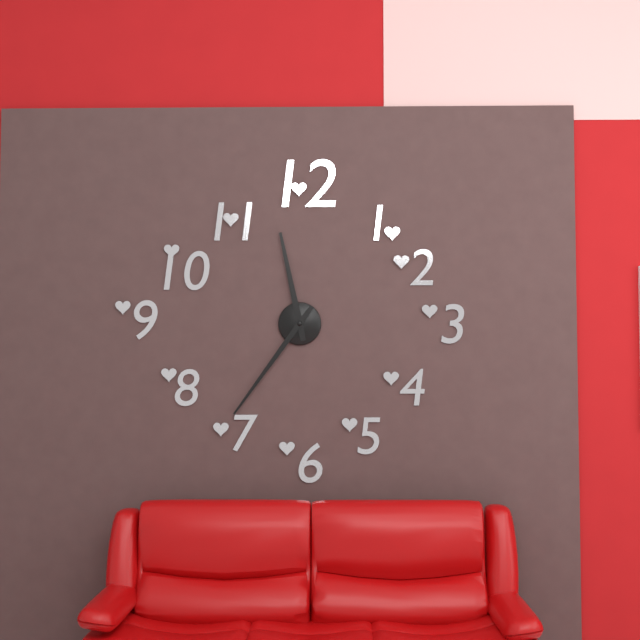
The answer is 11:36
